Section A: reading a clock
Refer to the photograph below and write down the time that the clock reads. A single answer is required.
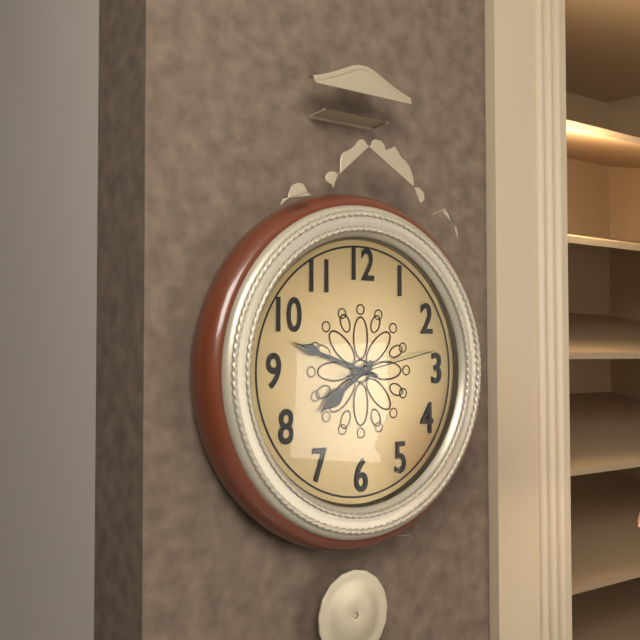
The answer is 7:48:13
